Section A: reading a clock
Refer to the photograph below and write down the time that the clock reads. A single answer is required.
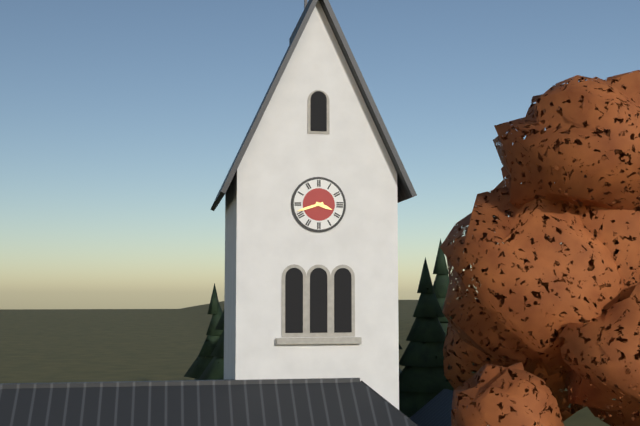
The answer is 3:42
